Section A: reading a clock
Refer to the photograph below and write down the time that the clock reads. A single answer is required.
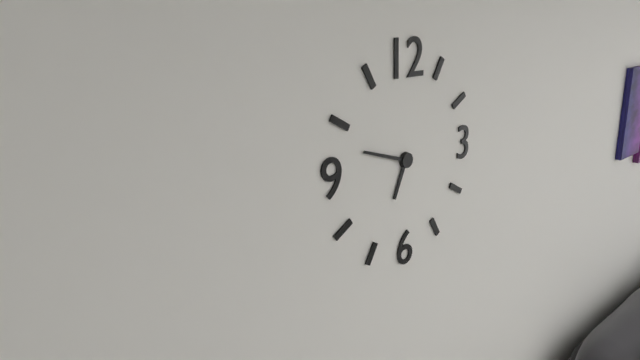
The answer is 6:48
